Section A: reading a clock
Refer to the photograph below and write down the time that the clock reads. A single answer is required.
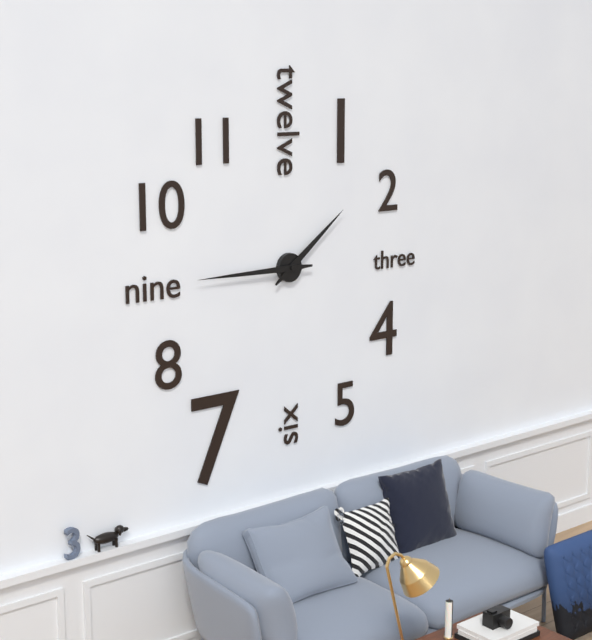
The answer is 1:45
